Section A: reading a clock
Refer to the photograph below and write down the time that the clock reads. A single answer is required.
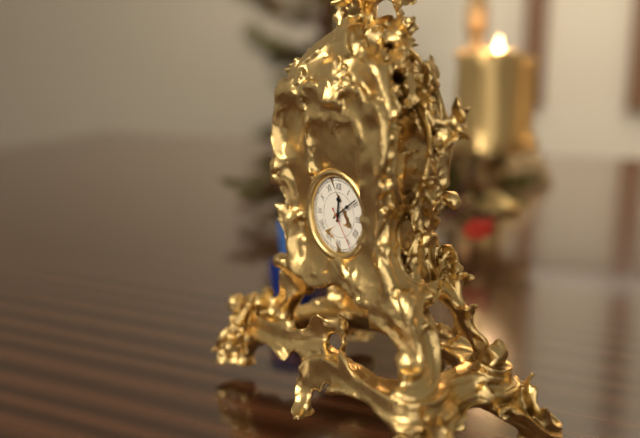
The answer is 12:09
